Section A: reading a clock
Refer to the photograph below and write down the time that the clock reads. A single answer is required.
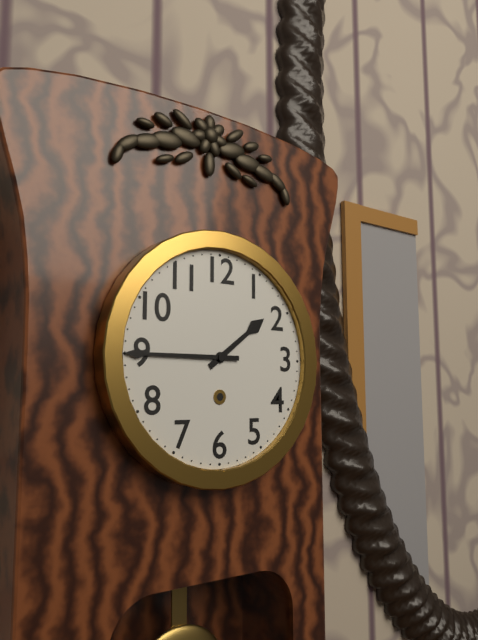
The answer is 1:45
